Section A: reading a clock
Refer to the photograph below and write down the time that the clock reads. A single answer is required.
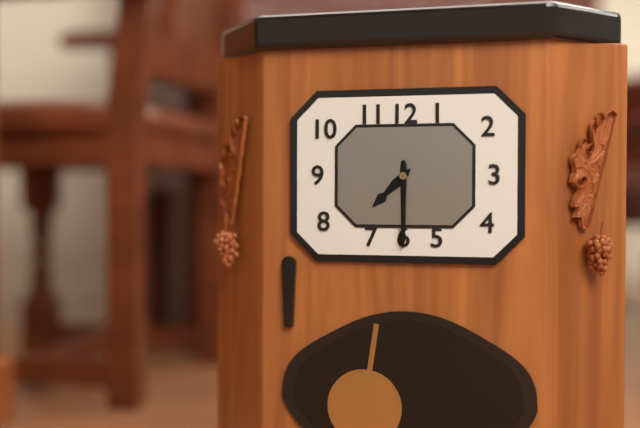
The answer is 7:30
